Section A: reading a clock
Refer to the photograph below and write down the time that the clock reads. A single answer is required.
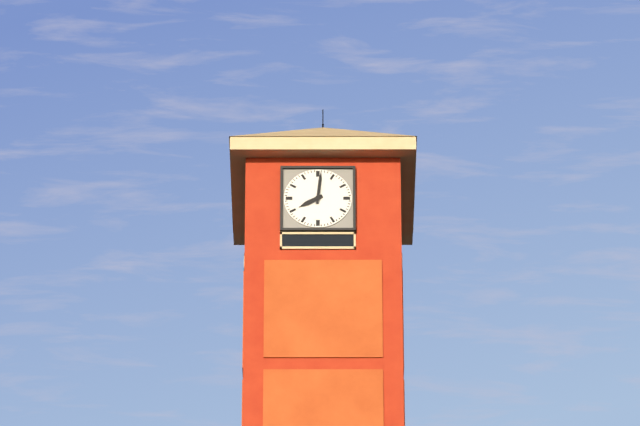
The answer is 8:01
